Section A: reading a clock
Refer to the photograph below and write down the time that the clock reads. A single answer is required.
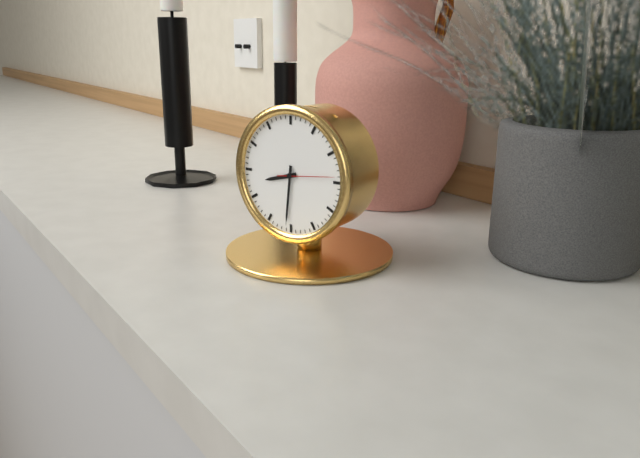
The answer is 8:31:14
